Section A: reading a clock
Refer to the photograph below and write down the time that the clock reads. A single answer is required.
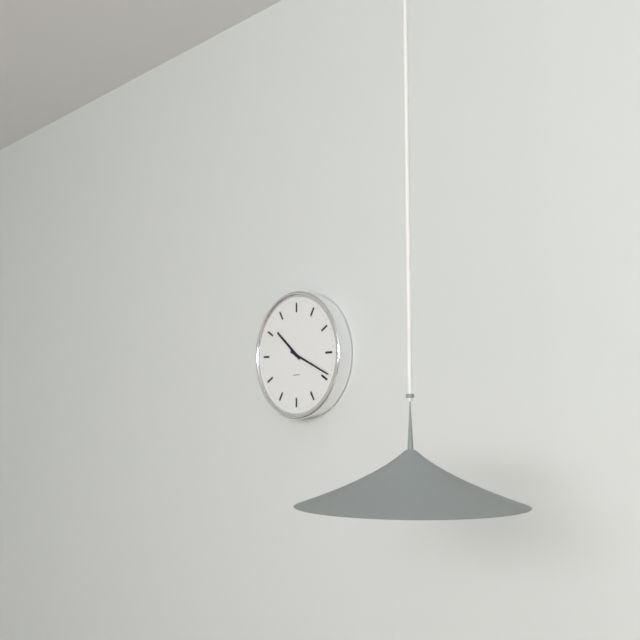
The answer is 10:19
